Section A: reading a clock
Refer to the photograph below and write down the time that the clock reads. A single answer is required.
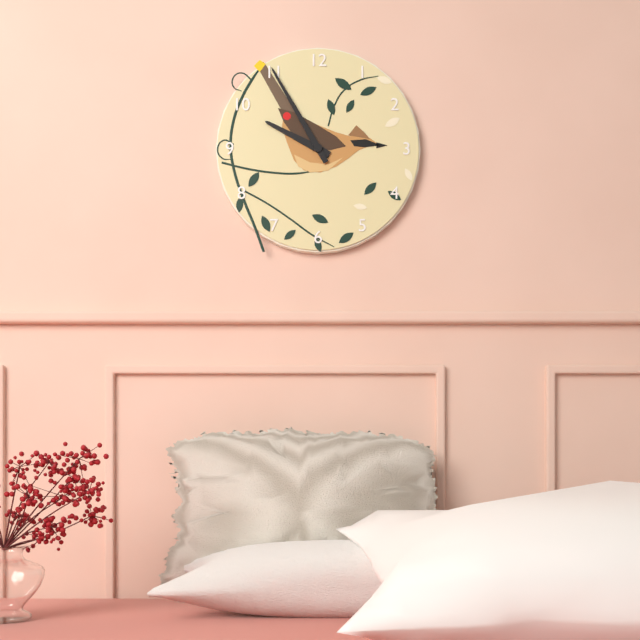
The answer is 9:55
